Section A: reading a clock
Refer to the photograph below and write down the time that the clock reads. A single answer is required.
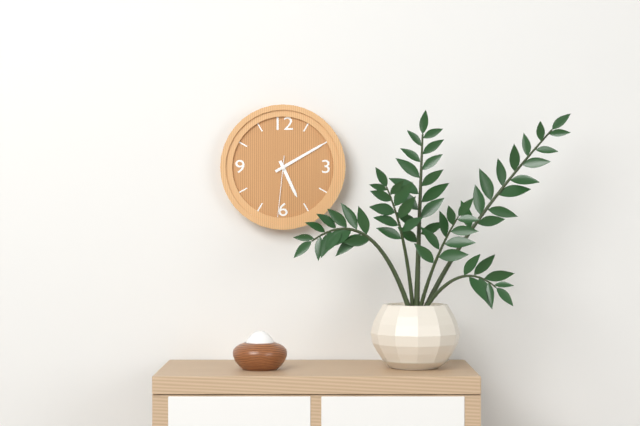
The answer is 5:10:31
